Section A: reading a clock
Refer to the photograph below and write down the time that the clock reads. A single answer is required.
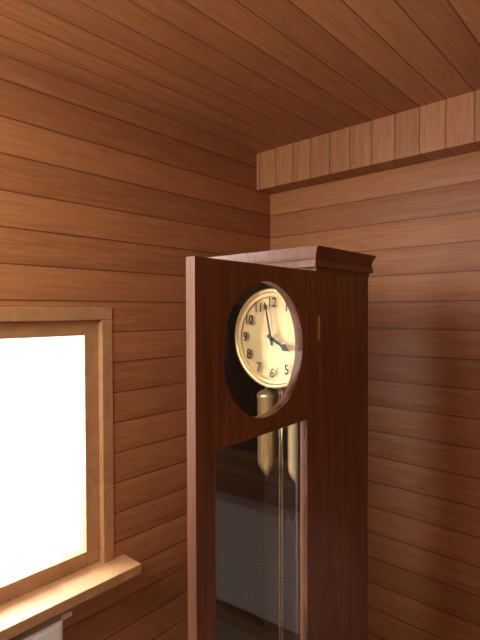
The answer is 3:58
